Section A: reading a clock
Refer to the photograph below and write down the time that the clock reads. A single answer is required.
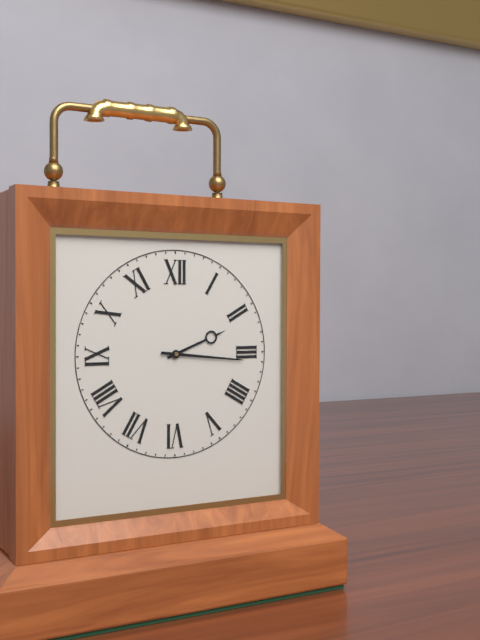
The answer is 2:16
